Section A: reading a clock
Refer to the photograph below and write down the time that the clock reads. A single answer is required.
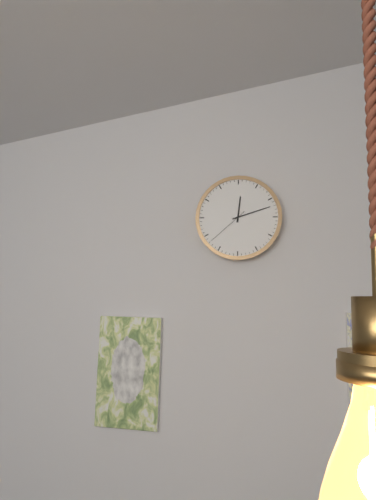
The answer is 12:12
